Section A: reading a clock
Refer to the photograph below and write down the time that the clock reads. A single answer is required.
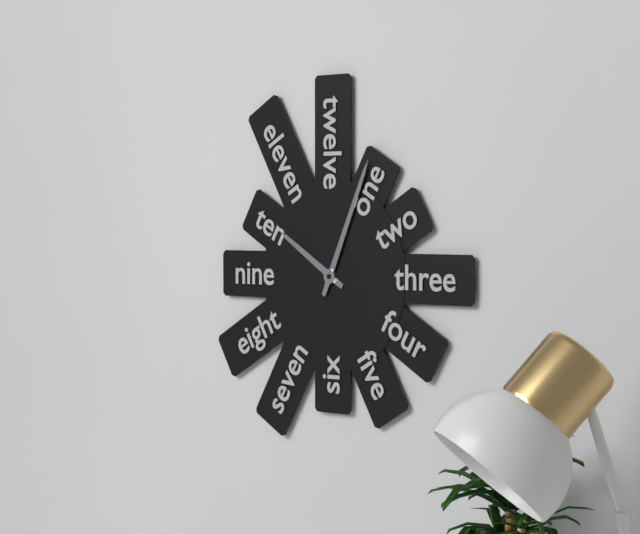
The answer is 10:04
